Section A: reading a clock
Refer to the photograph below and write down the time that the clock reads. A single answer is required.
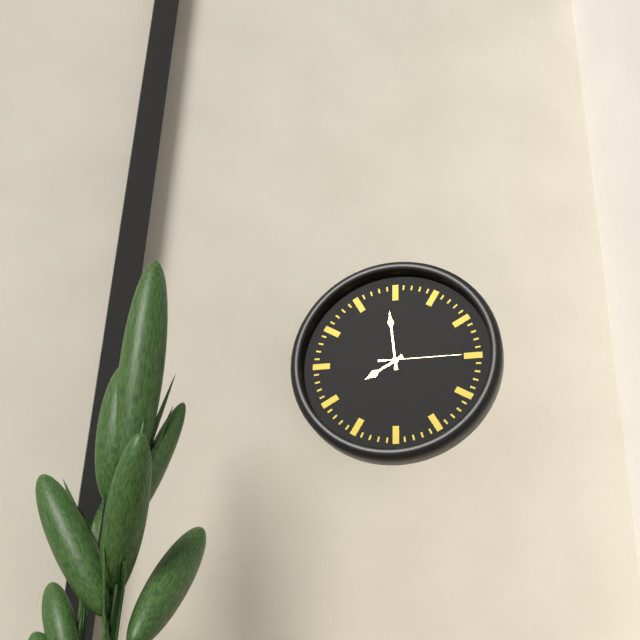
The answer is 7:59:15
